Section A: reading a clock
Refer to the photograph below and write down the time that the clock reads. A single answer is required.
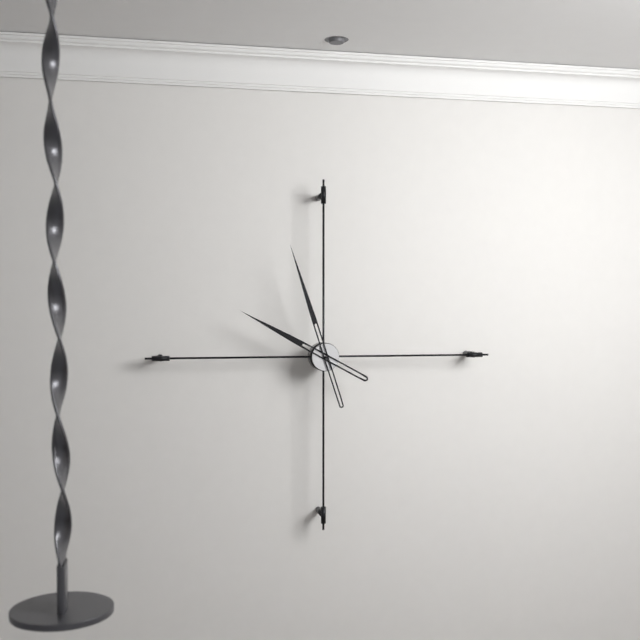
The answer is 9:57
